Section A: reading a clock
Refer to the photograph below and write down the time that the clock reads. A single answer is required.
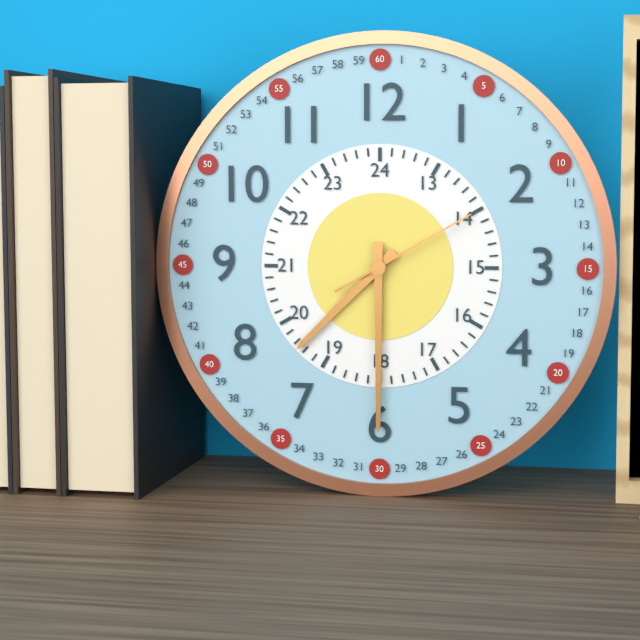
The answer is 7:30:10
